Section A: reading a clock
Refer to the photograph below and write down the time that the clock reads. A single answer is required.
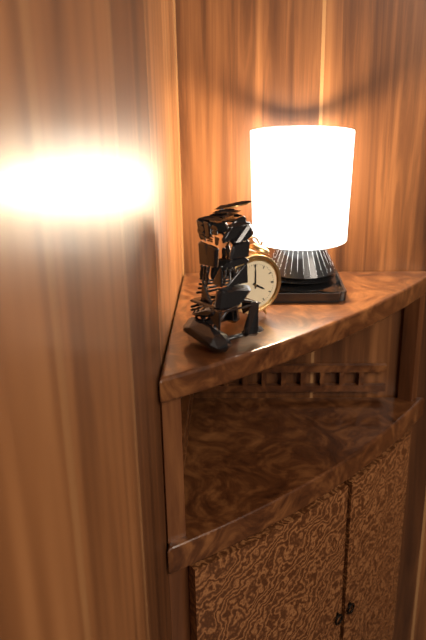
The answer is 4:00
